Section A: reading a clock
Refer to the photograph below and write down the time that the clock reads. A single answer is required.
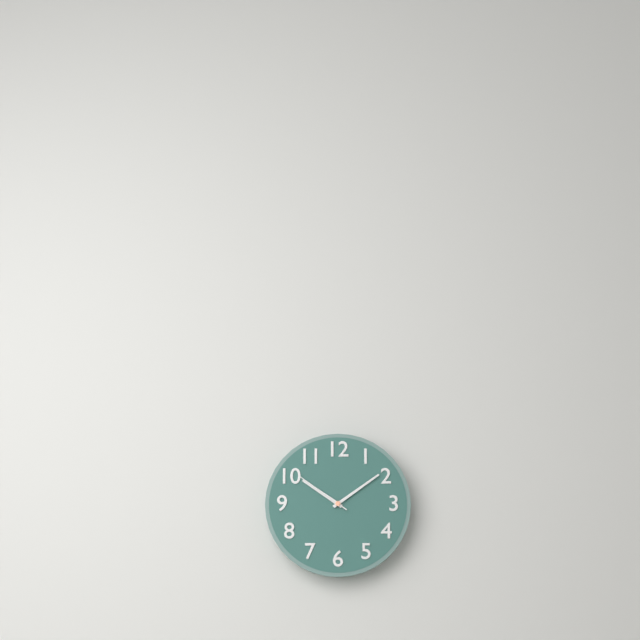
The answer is 10:09:51
